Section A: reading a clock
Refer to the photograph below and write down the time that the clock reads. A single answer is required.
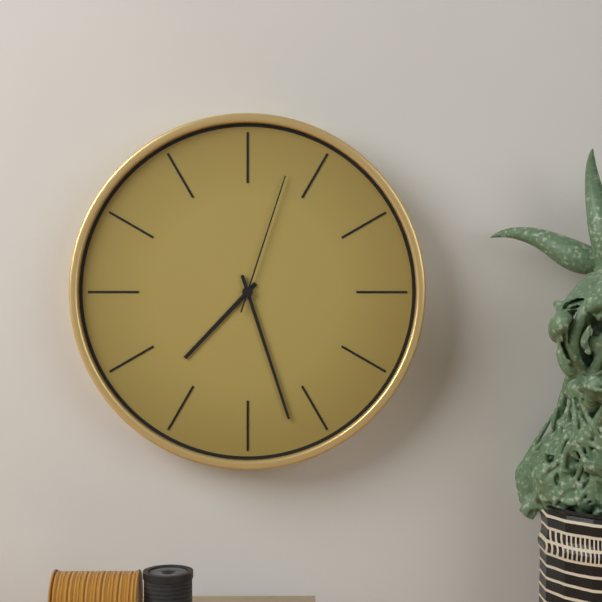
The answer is 7:27:03
